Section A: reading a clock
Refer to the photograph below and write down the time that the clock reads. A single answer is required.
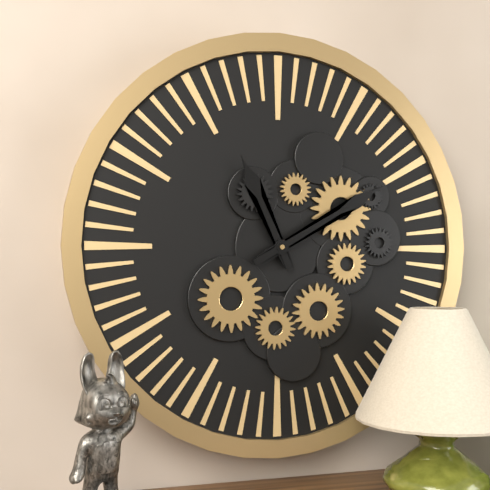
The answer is 11:10
